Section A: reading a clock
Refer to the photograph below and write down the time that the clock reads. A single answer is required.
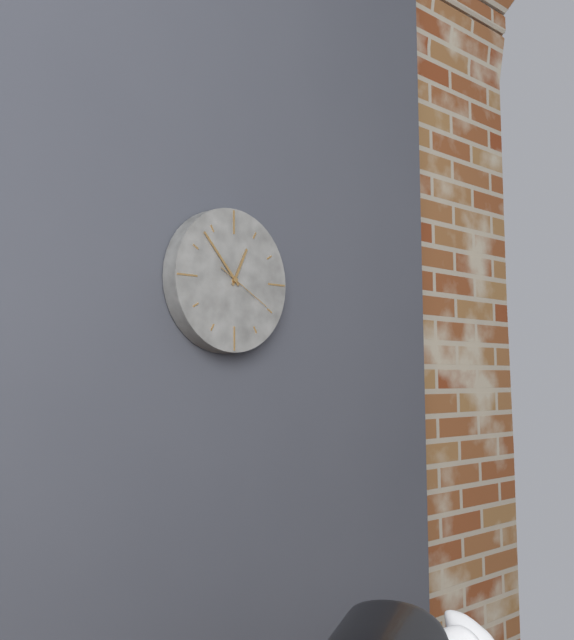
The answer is 12:53:20
